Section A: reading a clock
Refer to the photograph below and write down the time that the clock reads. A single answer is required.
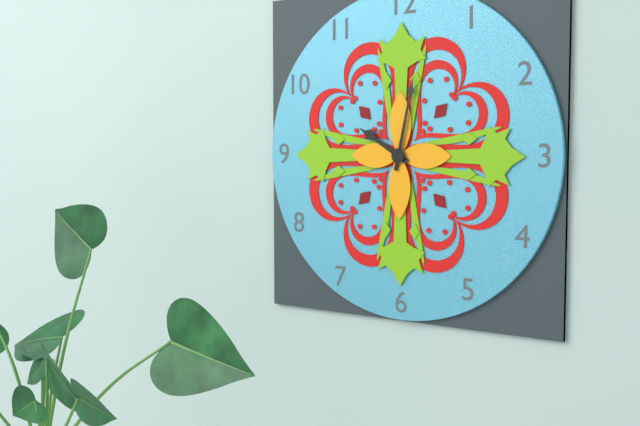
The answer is 10:02
